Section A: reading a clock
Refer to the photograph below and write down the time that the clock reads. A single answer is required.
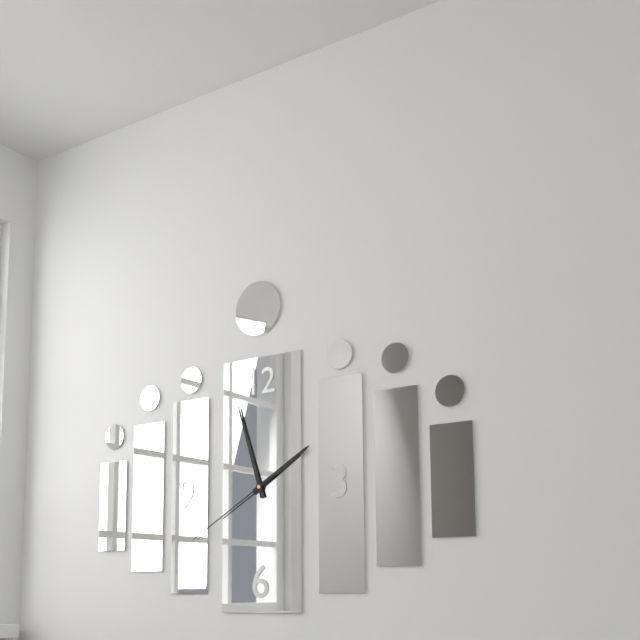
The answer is 1:57:40
